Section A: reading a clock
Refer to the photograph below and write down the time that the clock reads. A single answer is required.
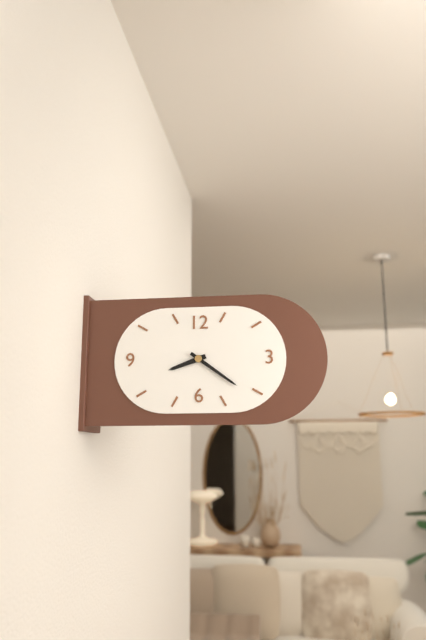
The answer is 8:21
